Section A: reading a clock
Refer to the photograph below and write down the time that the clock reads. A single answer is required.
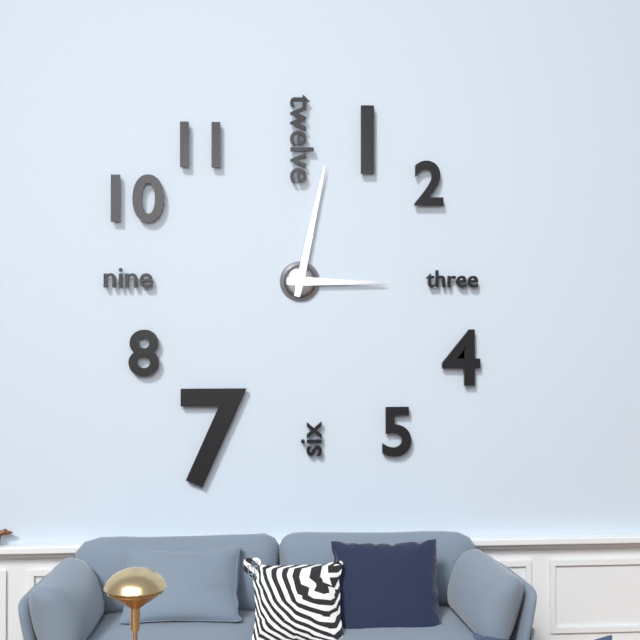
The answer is 3:02
